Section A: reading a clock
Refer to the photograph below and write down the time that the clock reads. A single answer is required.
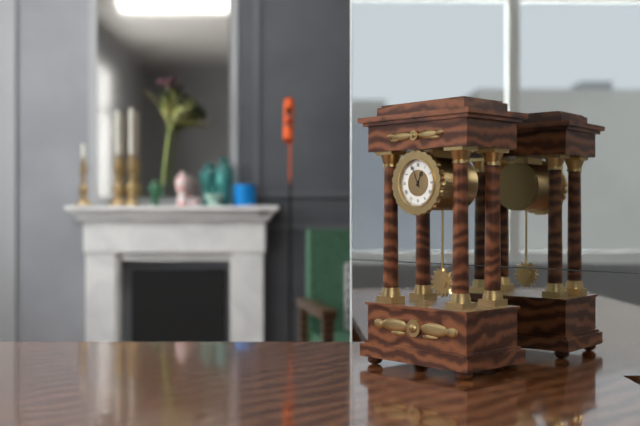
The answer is 12:56
